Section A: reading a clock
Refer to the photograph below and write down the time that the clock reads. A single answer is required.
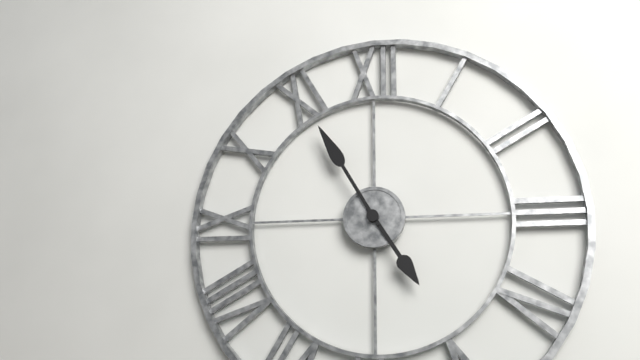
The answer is 4:55
